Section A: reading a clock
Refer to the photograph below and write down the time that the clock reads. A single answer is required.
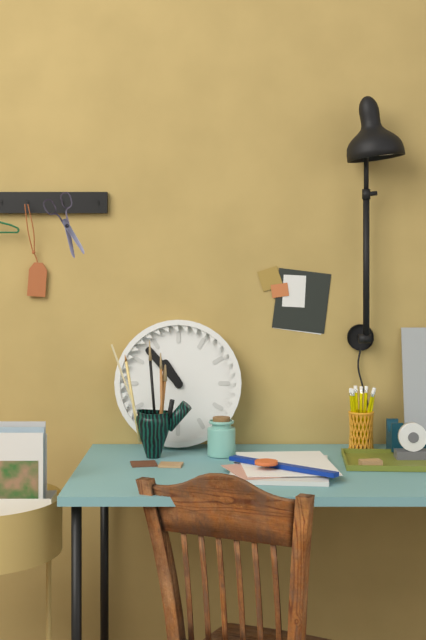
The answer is 10:53
